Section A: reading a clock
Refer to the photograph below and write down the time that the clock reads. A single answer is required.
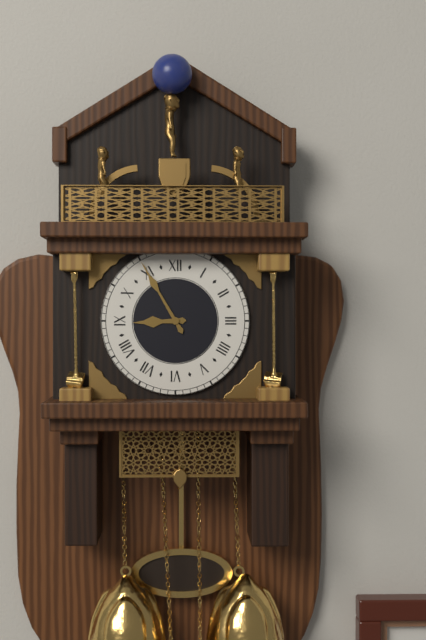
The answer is 8:55
